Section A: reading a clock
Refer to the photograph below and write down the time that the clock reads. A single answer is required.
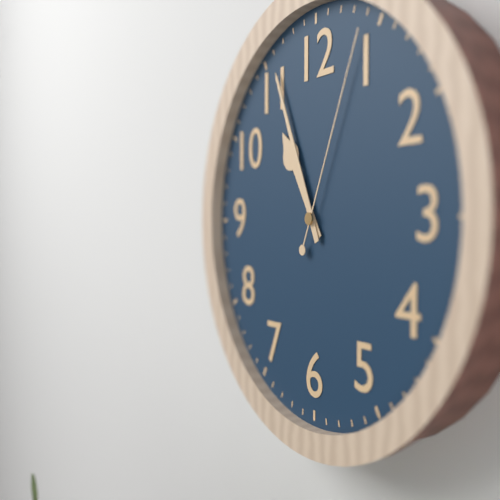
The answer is 10:56:04
